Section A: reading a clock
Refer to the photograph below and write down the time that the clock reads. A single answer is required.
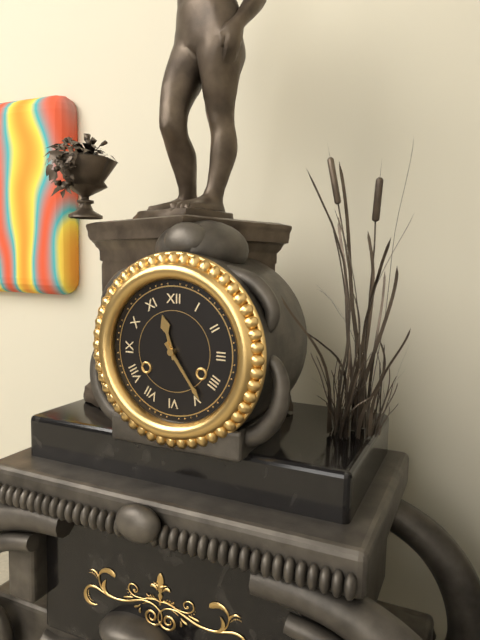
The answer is 11:24
